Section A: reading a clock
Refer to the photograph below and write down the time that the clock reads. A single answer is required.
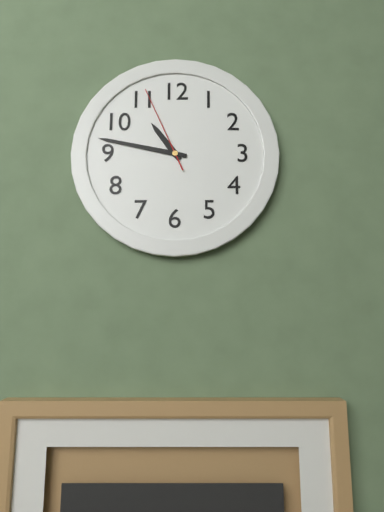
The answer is 10:47:56
